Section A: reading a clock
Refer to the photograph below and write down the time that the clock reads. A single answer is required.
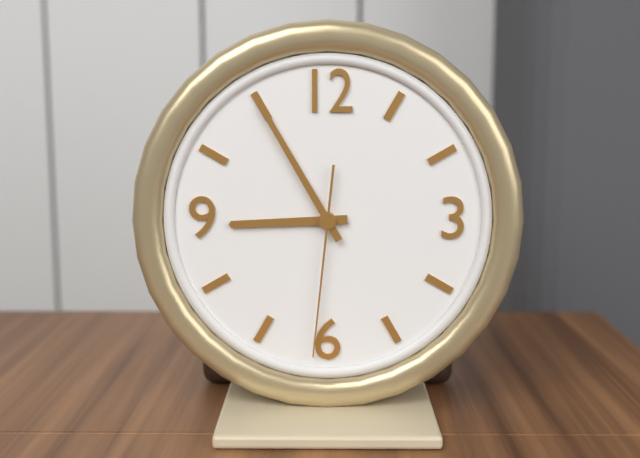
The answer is 8:55:31
